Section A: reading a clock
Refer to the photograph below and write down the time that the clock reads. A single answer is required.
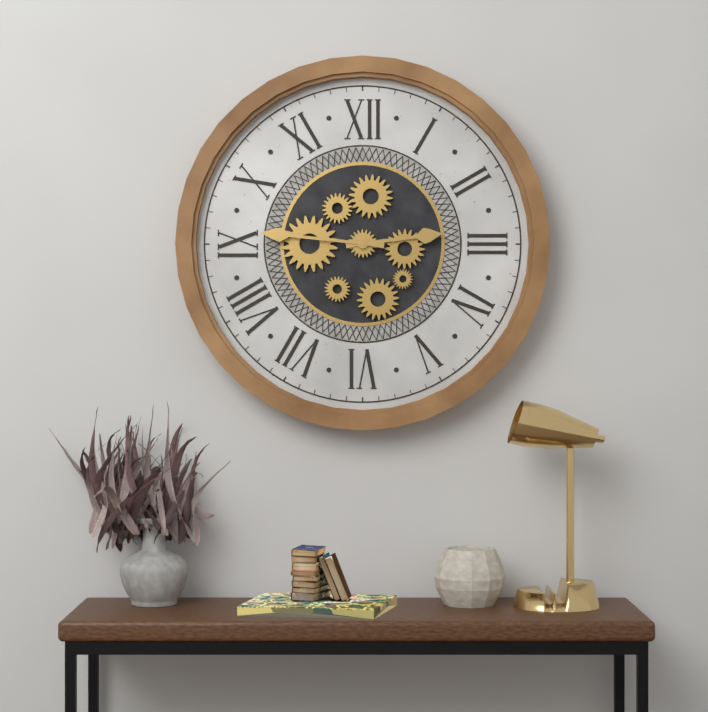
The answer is 2:46
